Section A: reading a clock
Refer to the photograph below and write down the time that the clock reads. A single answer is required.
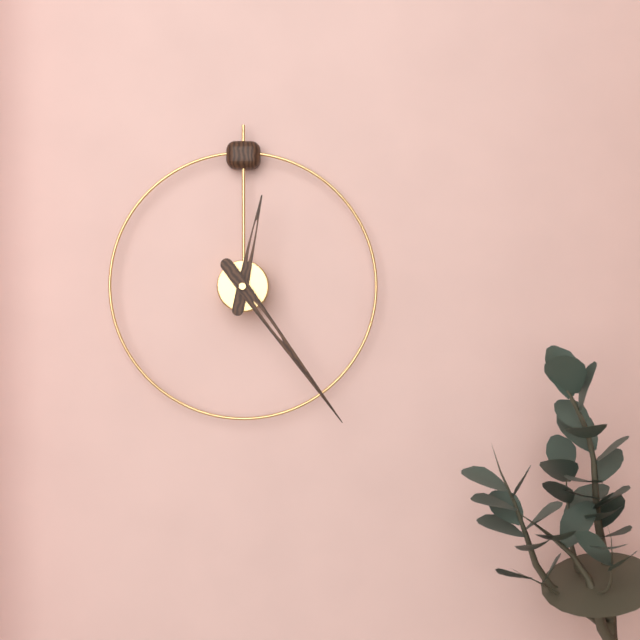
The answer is 12:24
